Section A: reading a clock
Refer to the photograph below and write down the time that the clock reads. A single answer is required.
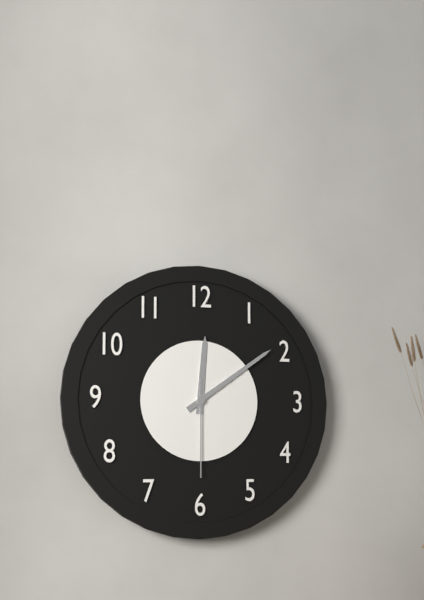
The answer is 12:09:30
